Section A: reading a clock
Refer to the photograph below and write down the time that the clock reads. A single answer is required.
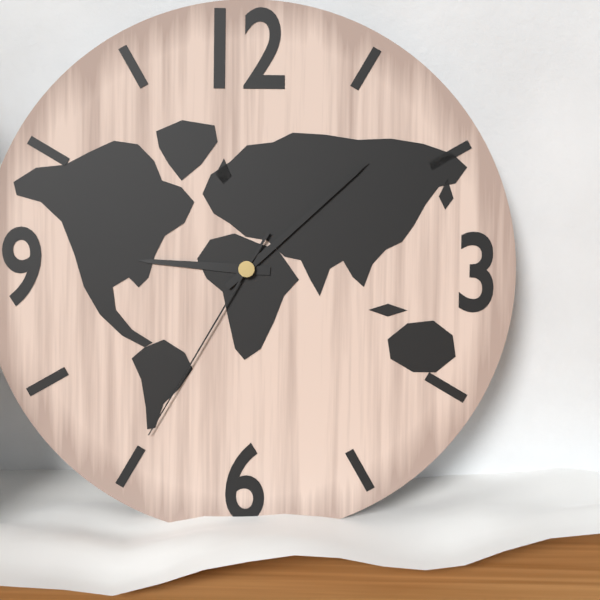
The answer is 9:08:35
